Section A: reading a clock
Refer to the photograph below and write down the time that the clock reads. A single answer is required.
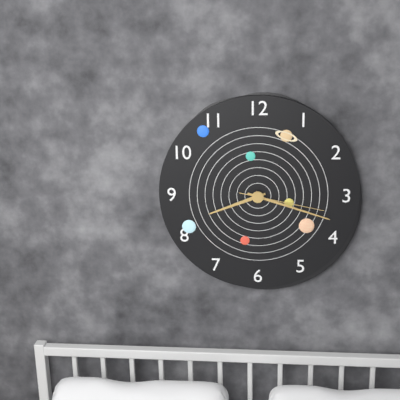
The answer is 8:18:17
